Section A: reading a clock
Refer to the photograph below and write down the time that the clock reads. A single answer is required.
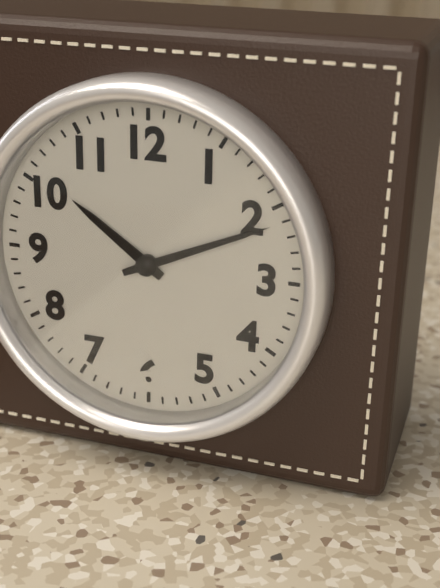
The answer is 10:11
